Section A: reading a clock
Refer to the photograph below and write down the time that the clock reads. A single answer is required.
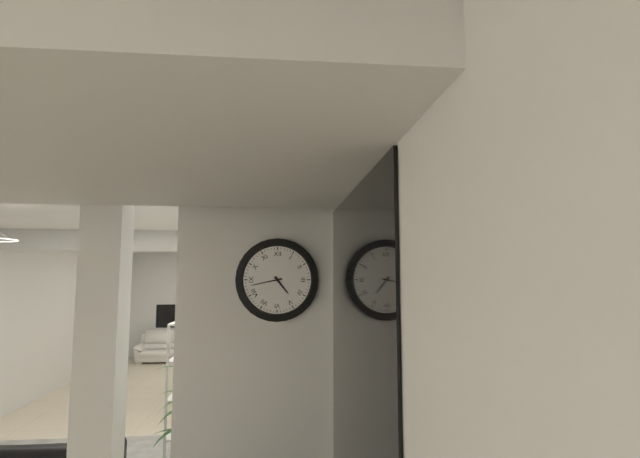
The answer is 4:43
